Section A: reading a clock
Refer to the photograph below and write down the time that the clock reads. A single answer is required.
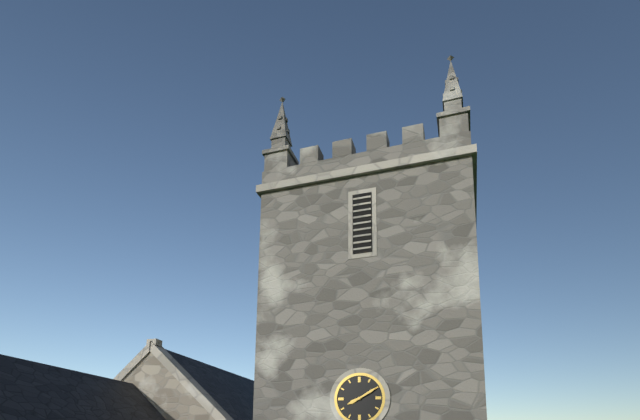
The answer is 8:10
